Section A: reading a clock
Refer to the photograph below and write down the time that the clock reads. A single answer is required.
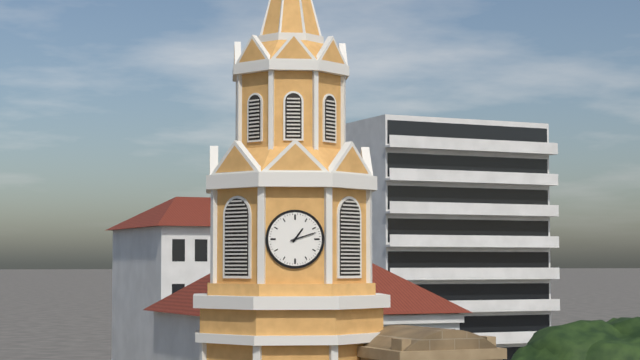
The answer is 1:12
